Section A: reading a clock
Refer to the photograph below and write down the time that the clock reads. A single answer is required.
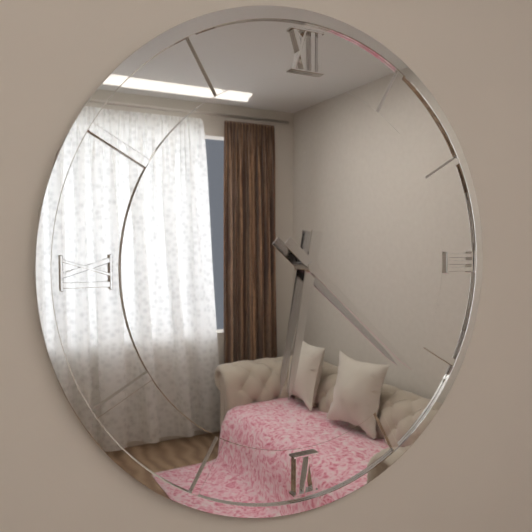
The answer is 6:22
